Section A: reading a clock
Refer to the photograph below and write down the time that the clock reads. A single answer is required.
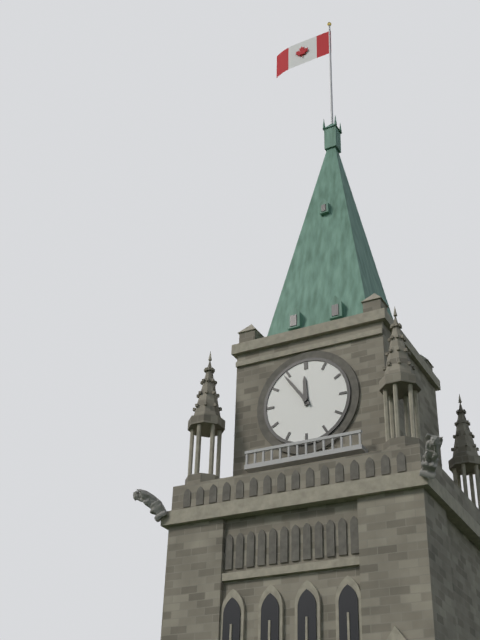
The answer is 11:54
